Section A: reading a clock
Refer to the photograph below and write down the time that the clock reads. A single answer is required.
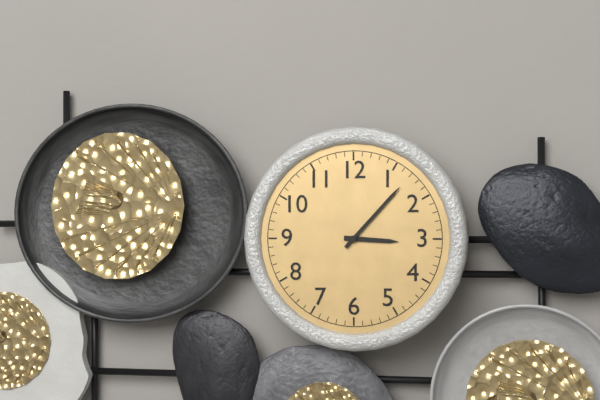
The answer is 3:07
